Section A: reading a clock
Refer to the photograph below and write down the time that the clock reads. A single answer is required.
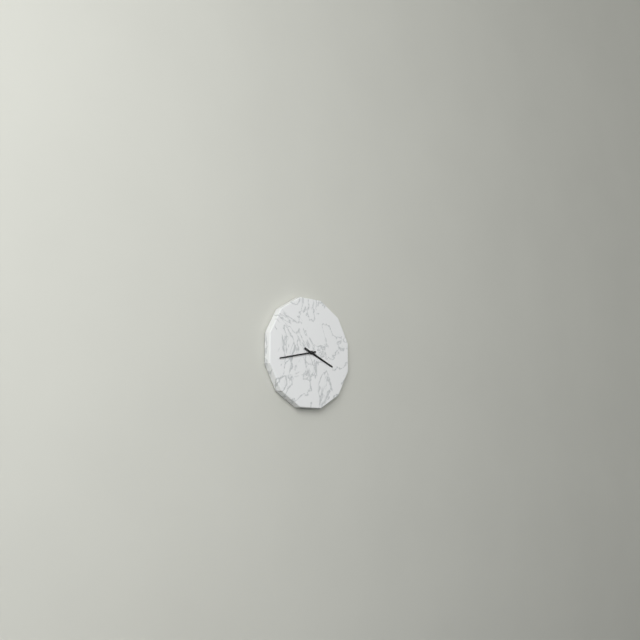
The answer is 3:43
